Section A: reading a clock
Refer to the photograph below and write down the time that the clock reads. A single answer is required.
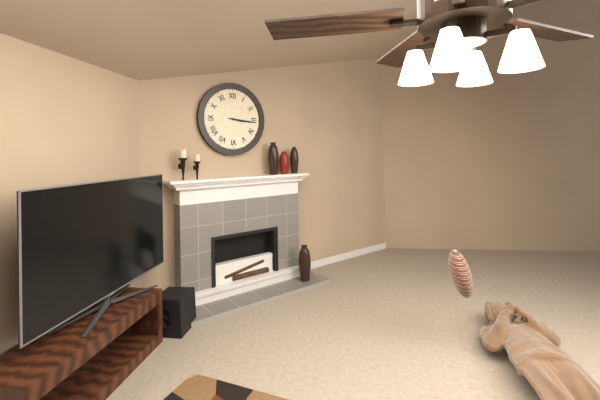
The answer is 3:16
